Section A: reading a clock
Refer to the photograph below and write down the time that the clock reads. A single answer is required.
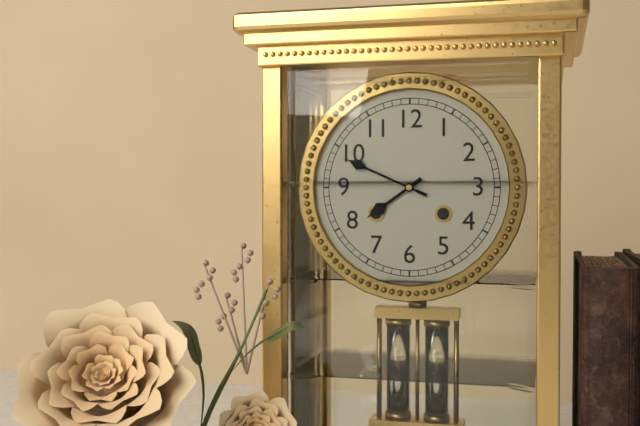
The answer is 7:49
